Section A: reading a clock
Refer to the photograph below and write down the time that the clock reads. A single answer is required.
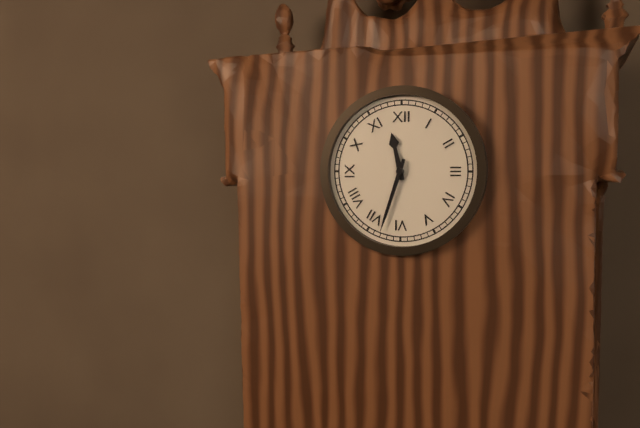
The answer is 11:33
